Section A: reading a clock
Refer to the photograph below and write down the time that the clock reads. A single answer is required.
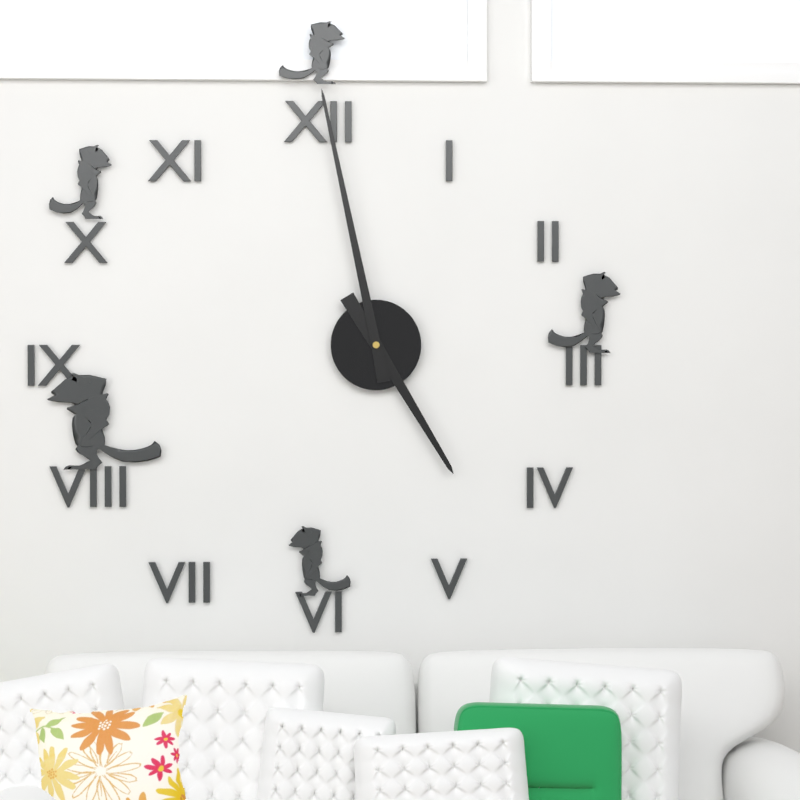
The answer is 4:58
